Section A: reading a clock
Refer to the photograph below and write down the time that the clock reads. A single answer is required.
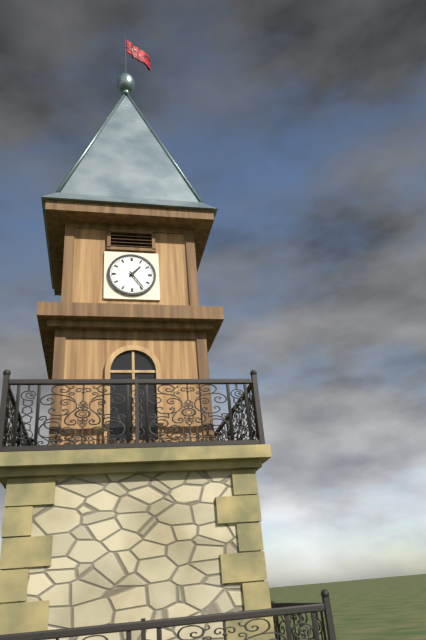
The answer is 1:24
